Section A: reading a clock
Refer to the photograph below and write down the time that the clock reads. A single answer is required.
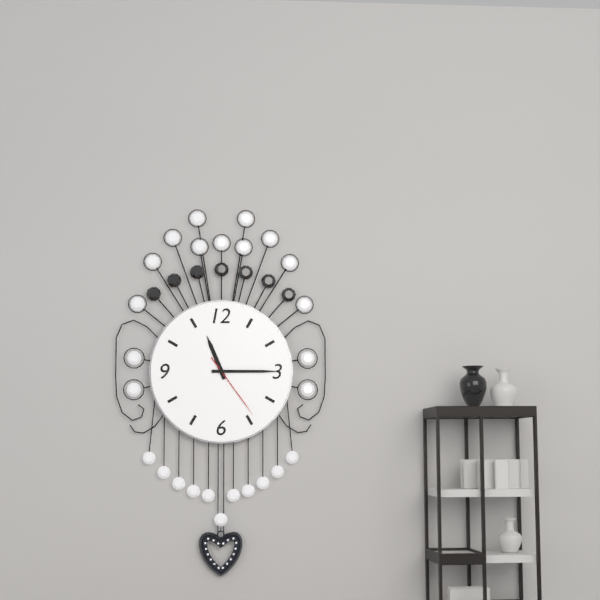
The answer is 11:15:24
